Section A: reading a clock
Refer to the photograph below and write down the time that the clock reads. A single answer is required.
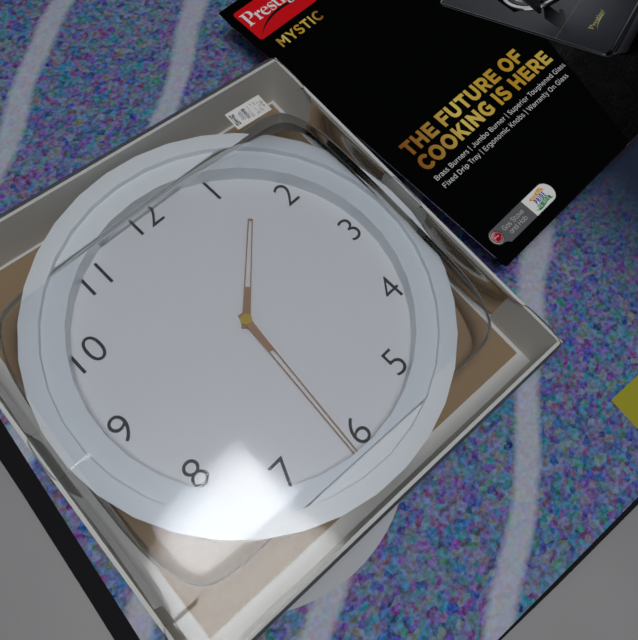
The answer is 1:31
